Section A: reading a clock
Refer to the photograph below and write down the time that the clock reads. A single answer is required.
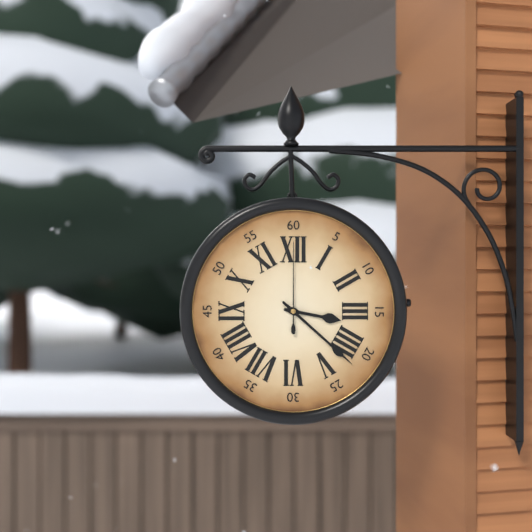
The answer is 3:22:00
